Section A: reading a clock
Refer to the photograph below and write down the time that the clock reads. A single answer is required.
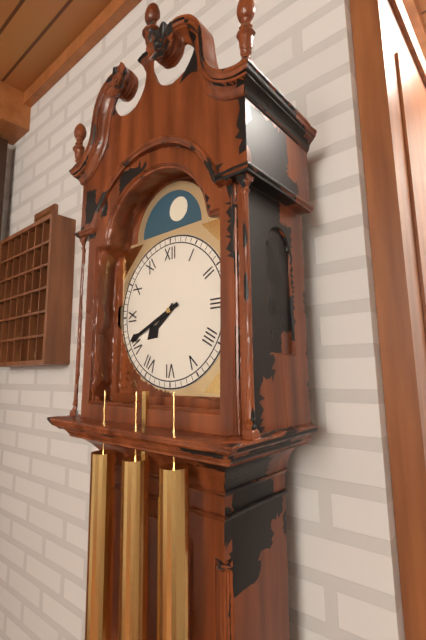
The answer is 7:41
